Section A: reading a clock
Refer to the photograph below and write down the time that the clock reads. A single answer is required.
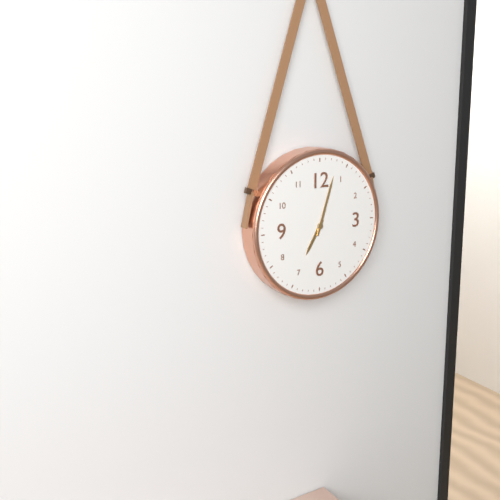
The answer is 7:03
